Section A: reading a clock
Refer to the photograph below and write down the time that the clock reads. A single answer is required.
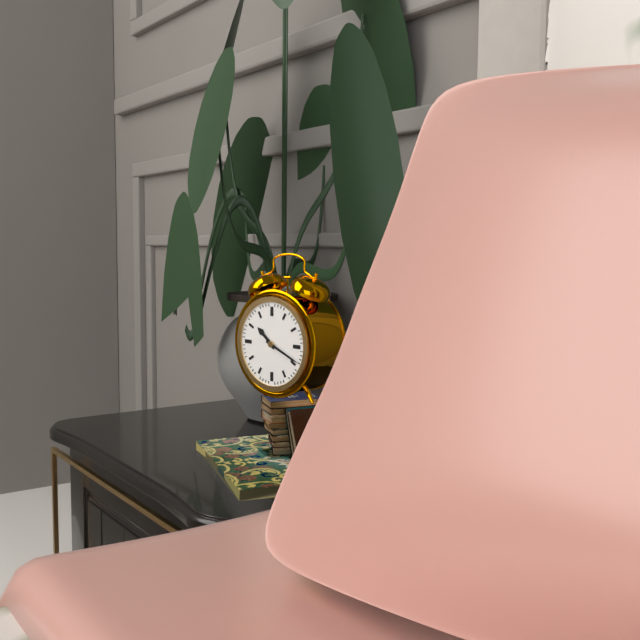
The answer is 10:19
